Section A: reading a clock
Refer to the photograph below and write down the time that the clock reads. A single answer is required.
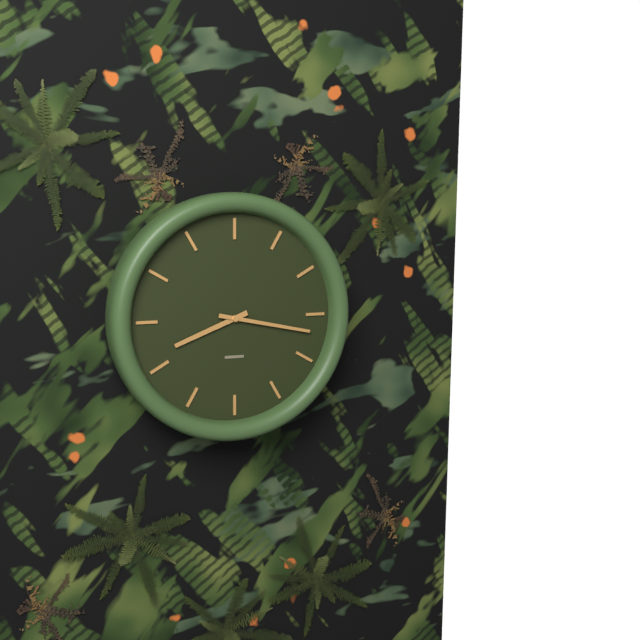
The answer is 8:17
